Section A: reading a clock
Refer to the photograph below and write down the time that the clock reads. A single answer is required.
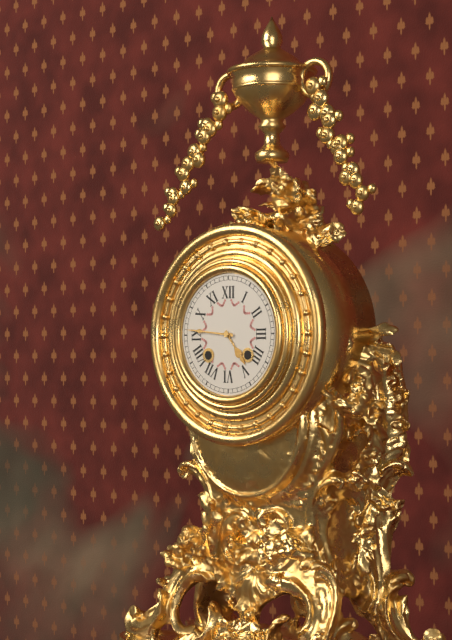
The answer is 4:46
